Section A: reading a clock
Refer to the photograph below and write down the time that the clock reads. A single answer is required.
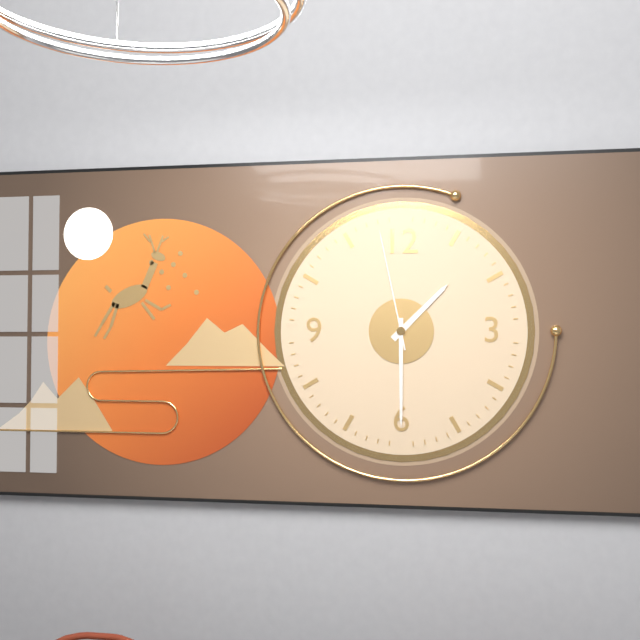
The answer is 1:30:58
